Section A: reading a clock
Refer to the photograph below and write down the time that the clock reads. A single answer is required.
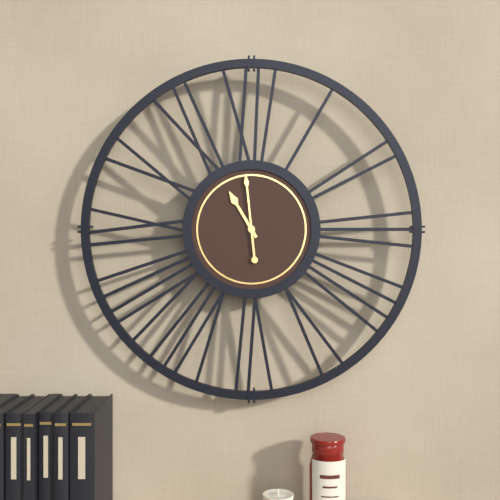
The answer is 10:59
